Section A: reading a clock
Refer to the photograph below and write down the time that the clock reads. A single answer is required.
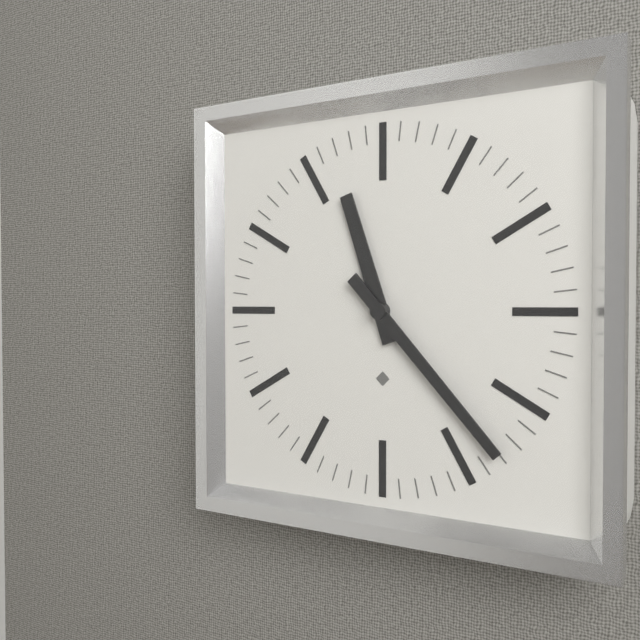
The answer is 11:23
